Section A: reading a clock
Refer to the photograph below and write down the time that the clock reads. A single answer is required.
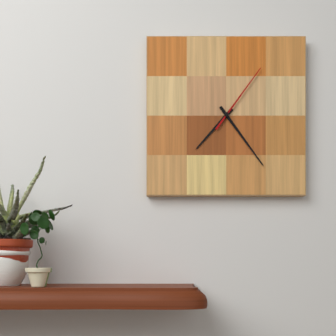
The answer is 7:24:06
